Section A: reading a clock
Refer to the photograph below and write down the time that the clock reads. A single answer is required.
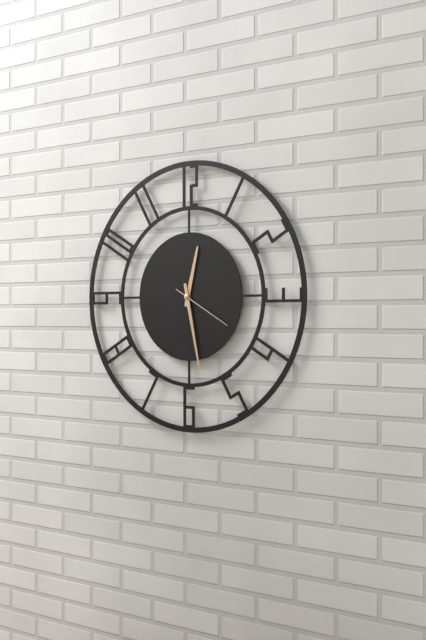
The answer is 12:28:20
